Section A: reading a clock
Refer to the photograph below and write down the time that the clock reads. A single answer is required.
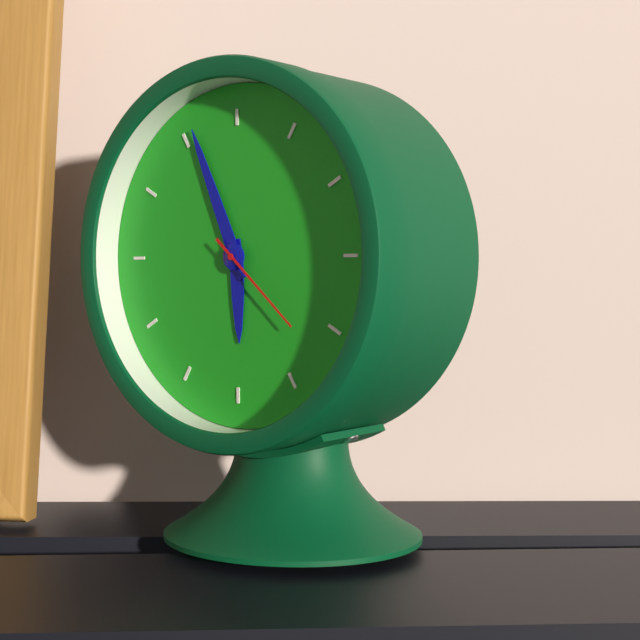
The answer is 5:56:22
